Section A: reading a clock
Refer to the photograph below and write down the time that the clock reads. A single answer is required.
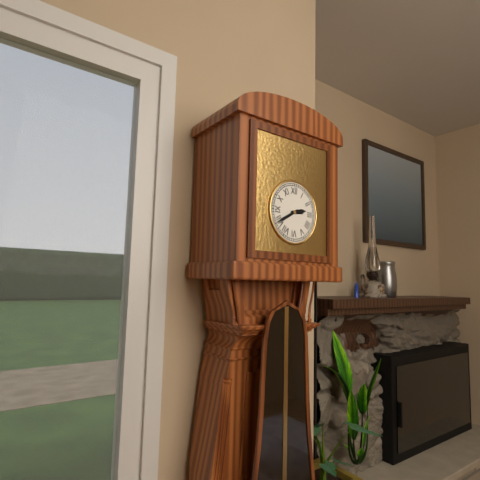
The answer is 2:40
